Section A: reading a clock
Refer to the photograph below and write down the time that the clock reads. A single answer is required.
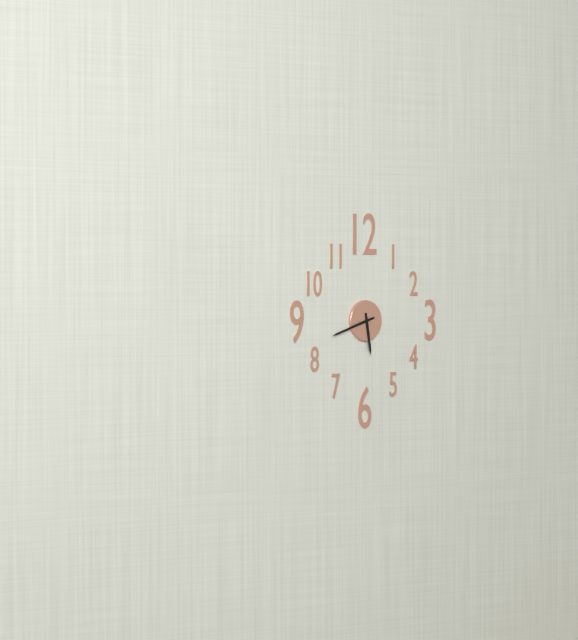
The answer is 5:42
